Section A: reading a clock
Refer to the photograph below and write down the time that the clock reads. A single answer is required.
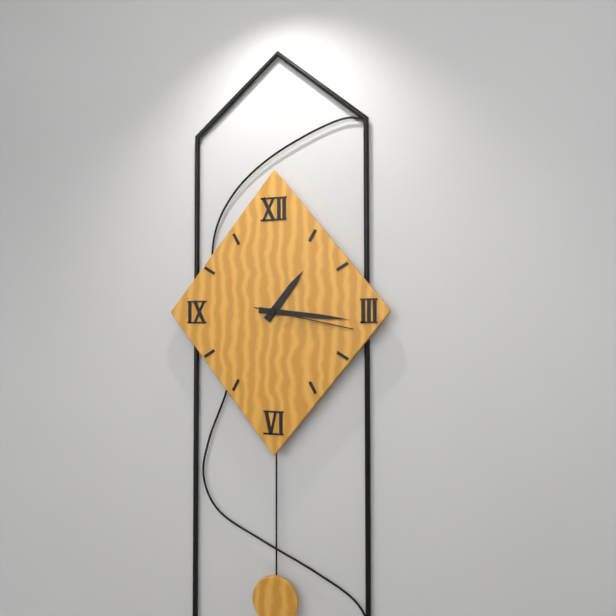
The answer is 1:16:17
